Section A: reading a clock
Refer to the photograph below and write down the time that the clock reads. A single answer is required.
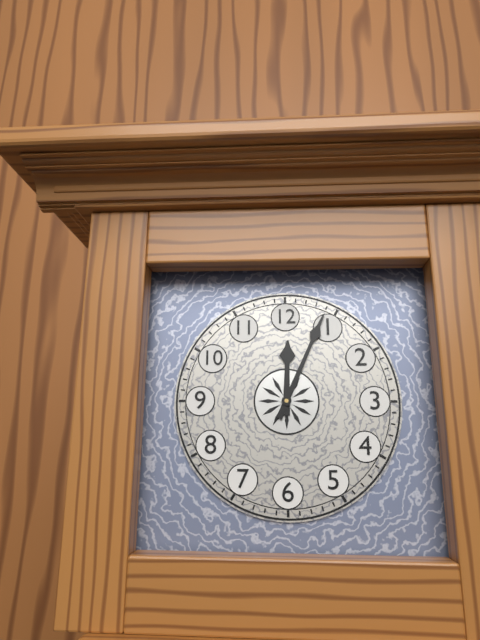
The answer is 12:04
